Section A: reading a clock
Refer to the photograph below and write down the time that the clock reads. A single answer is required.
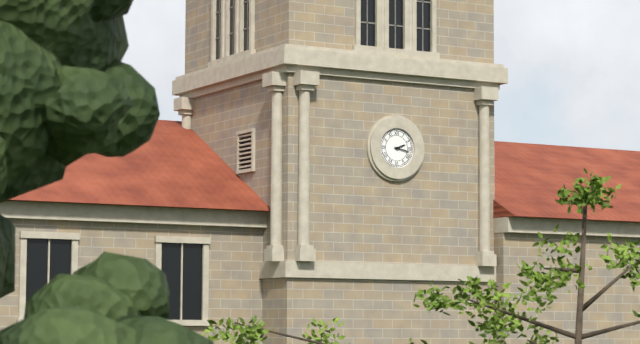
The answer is 2:17
